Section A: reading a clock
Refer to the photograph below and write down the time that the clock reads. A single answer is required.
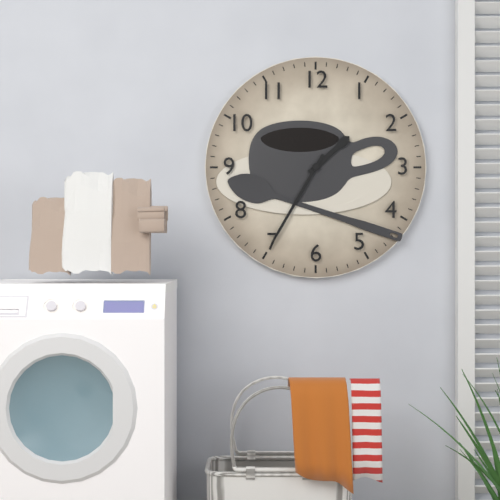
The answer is 1:35
